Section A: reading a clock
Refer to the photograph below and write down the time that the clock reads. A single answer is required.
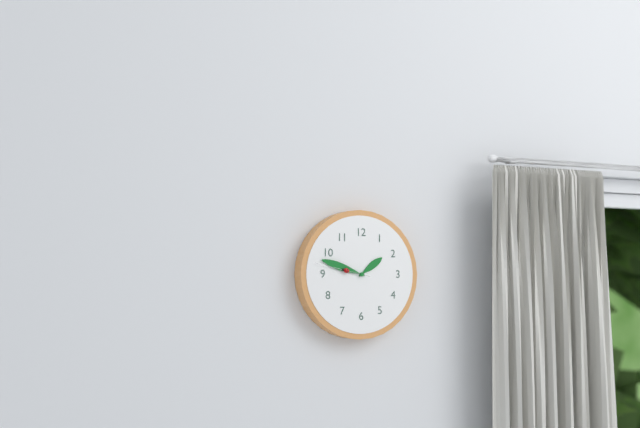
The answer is 1:48:47
